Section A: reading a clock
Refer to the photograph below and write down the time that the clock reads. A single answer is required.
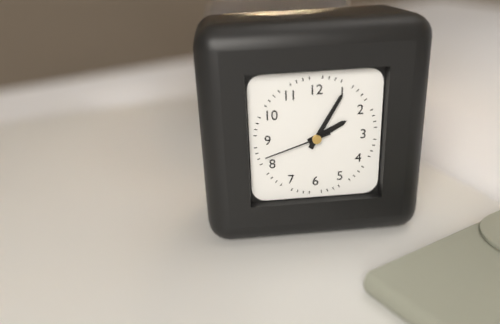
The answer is 2:05:42
